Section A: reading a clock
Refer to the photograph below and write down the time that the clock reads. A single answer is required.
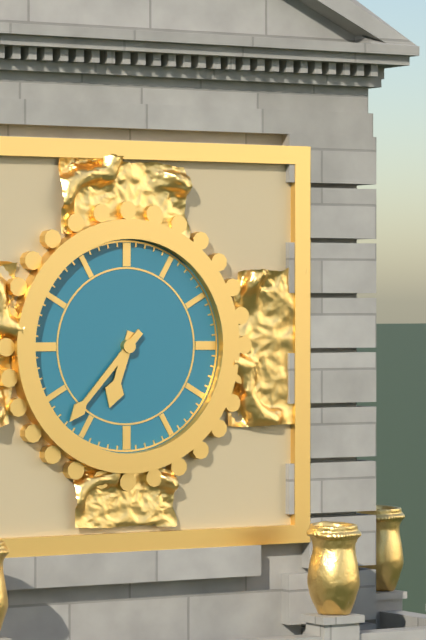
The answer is 6:37
